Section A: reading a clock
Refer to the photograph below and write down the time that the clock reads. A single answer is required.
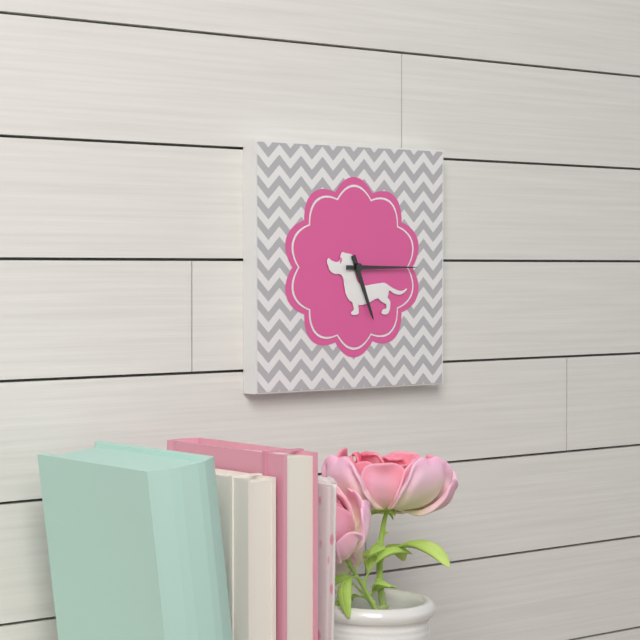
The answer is 5:15
